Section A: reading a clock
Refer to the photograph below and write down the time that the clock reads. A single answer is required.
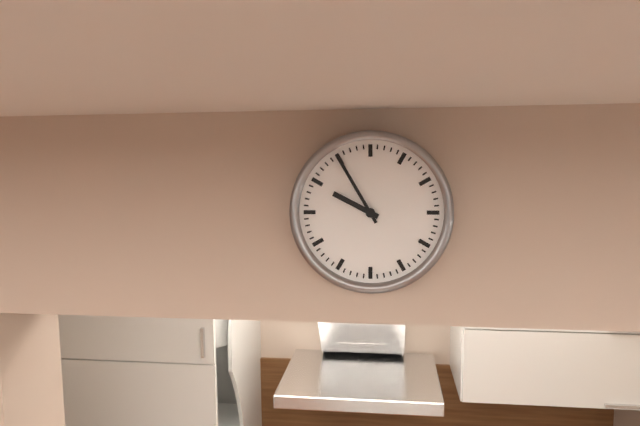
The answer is 9:55
